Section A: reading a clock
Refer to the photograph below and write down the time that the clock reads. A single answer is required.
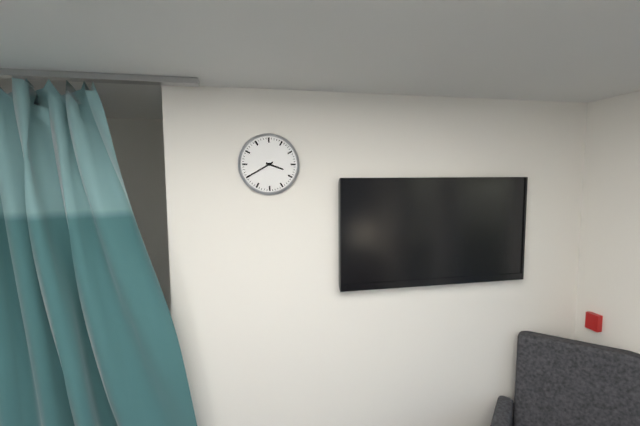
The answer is 3:40
